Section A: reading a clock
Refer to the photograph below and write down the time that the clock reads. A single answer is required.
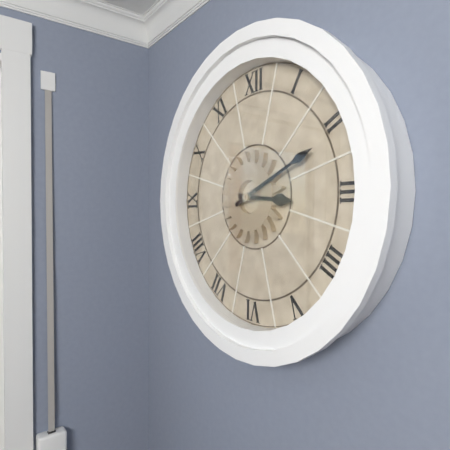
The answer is 3:11
